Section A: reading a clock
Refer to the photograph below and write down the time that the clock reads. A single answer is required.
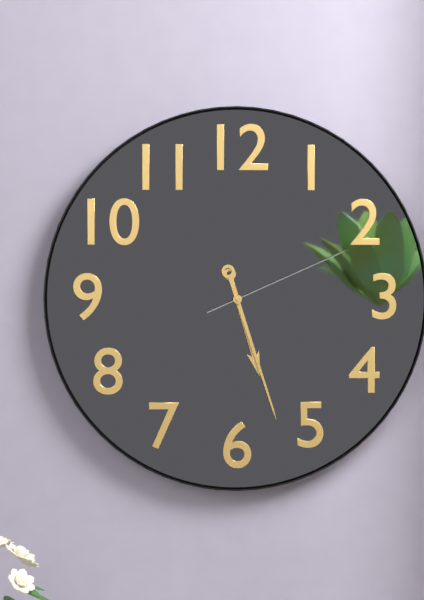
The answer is 5:27:11
